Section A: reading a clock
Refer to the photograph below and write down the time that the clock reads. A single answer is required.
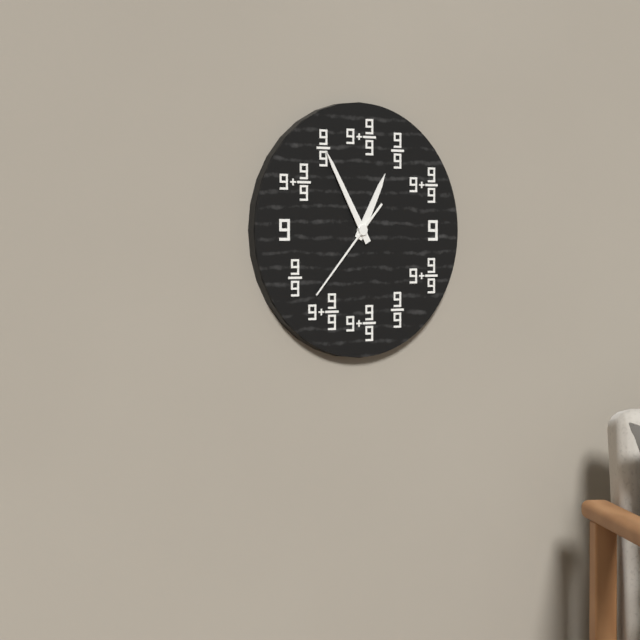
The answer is 12:55:37
